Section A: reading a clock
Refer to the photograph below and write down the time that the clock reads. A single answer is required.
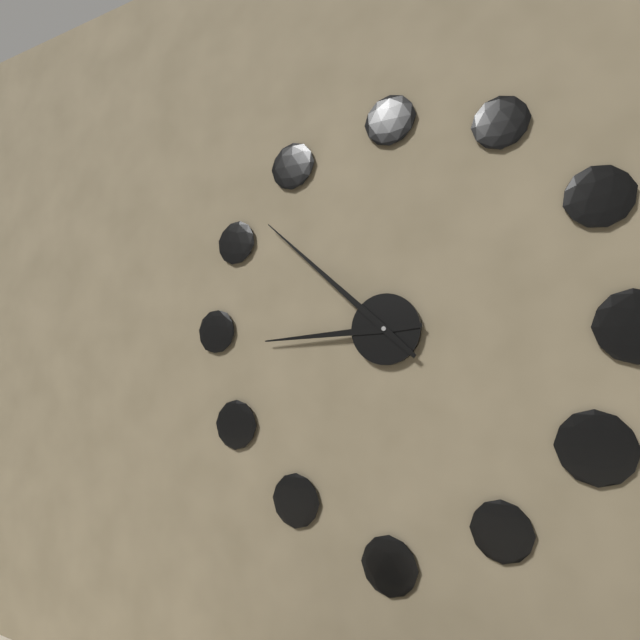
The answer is 8:52
